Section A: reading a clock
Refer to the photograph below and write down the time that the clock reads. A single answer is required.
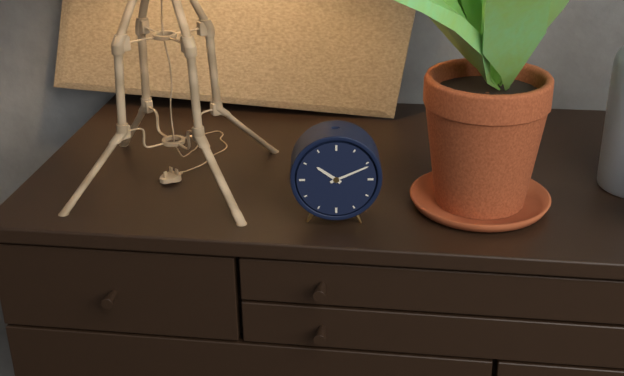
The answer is 10:11
